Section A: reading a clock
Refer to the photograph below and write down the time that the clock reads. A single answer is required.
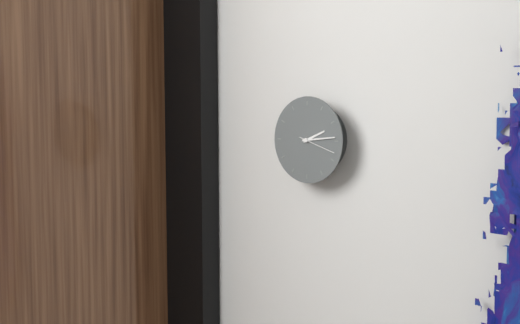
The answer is 2:14
